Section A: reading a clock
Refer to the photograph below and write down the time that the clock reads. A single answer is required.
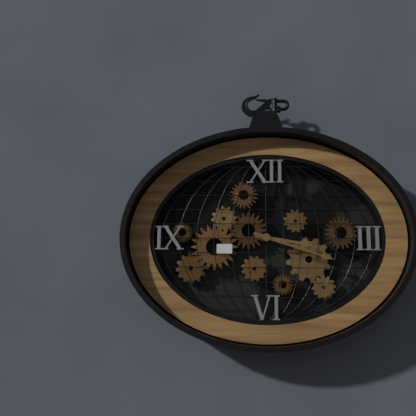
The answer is 3:18
